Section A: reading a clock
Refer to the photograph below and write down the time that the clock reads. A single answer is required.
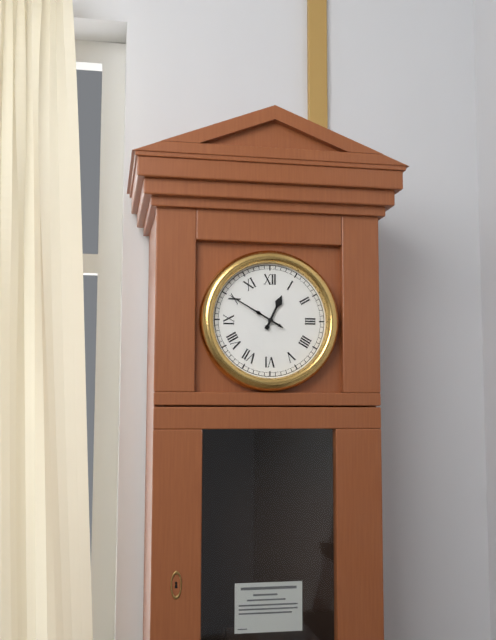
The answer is 12:50
